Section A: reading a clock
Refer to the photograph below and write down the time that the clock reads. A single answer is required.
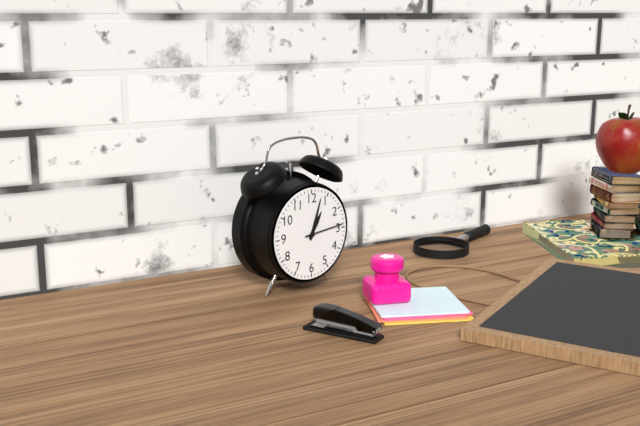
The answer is 1:03
